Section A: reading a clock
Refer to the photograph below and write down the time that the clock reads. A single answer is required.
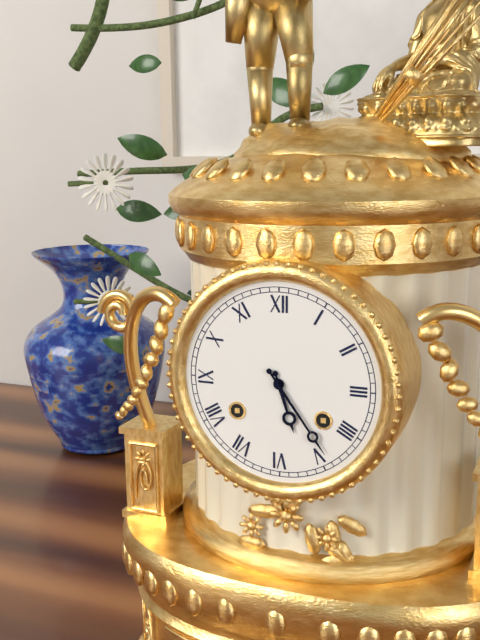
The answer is 5:24
